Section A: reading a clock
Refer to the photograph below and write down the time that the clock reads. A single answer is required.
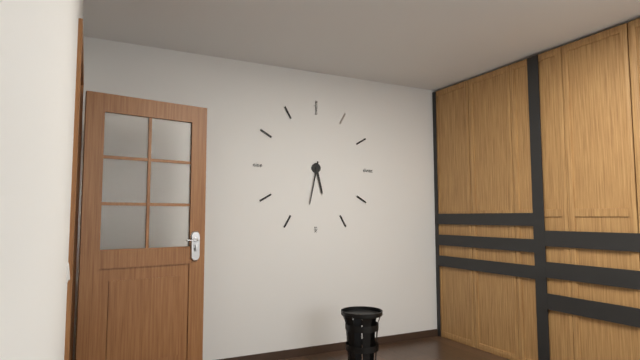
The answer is 5:32
